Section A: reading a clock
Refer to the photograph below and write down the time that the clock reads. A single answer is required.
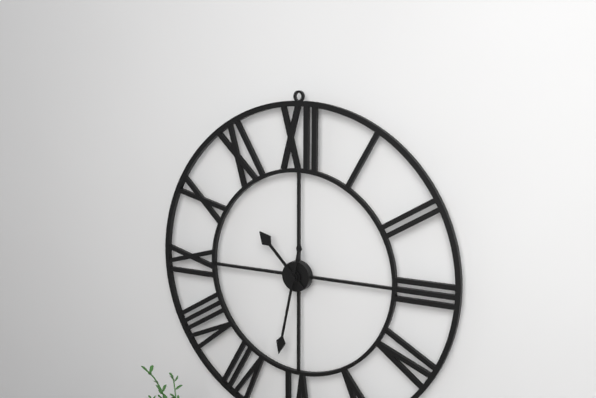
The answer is 10:32
